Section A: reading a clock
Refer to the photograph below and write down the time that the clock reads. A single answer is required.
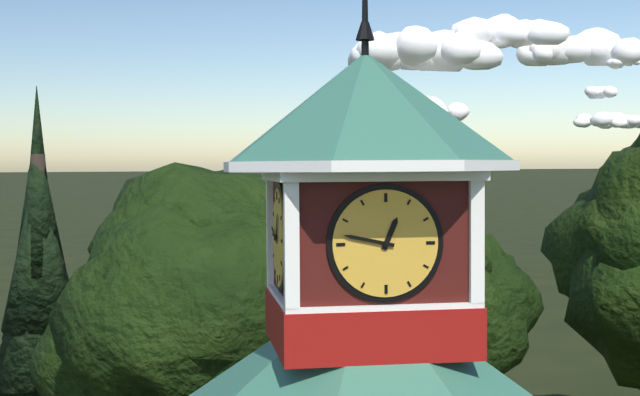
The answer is 12:47
